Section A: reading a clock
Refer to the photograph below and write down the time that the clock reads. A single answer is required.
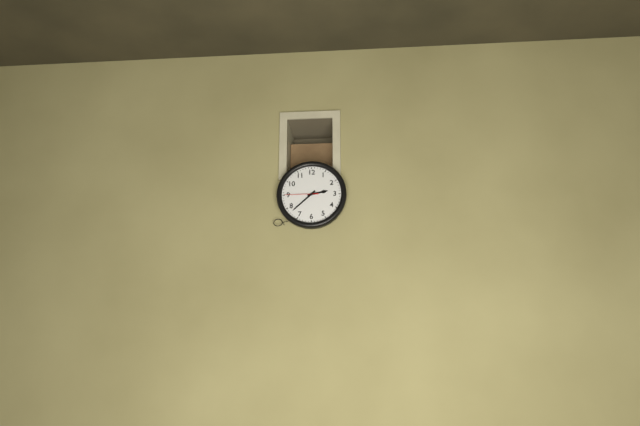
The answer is 2:38
